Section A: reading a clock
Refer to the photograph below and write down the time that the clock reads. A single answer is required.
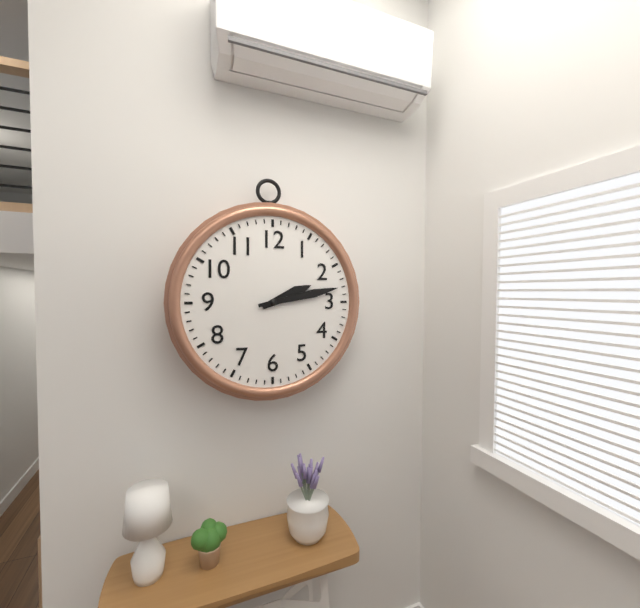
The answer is 2:13
